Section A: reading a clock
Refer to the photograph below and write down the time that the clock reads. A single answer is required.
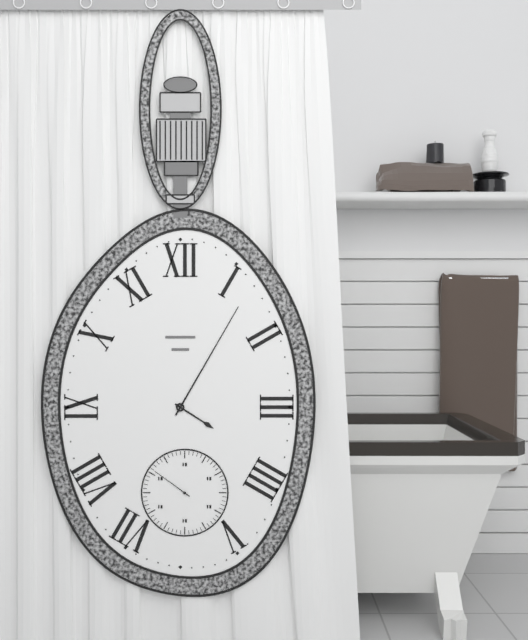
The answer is 4:05
